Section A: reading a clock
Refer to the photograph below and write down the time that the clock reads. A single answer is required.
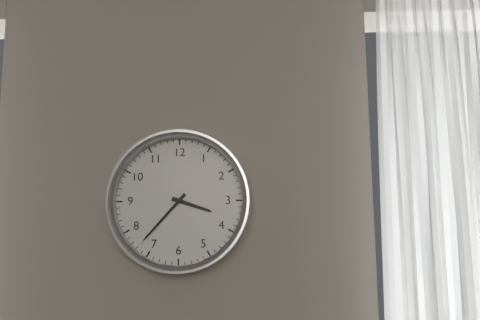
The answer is 3:37
